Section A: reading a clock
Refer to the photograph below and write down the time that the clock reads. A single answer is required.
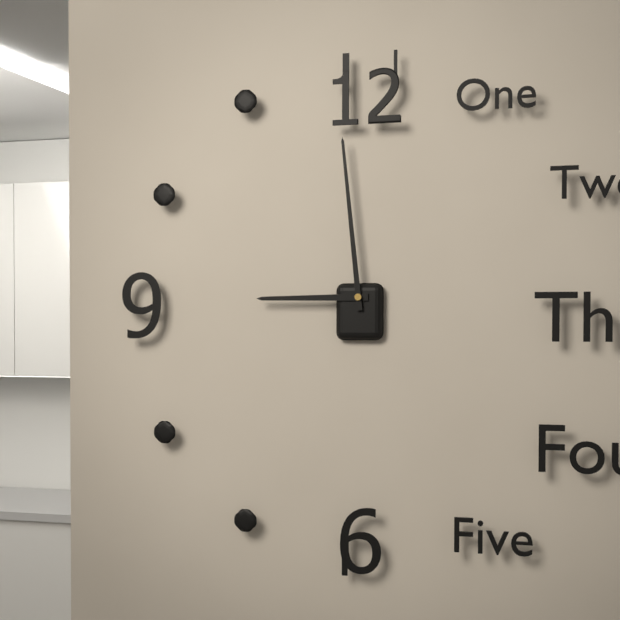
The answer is 8:59
